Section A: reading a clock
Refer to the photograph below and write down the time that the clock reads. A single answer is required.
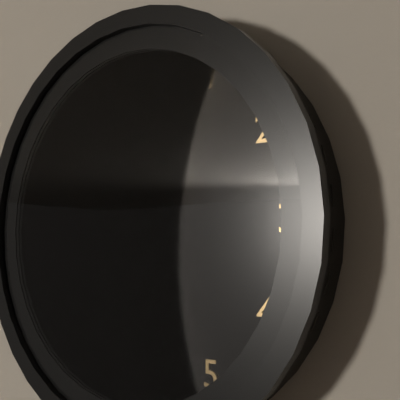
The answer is 9:46
